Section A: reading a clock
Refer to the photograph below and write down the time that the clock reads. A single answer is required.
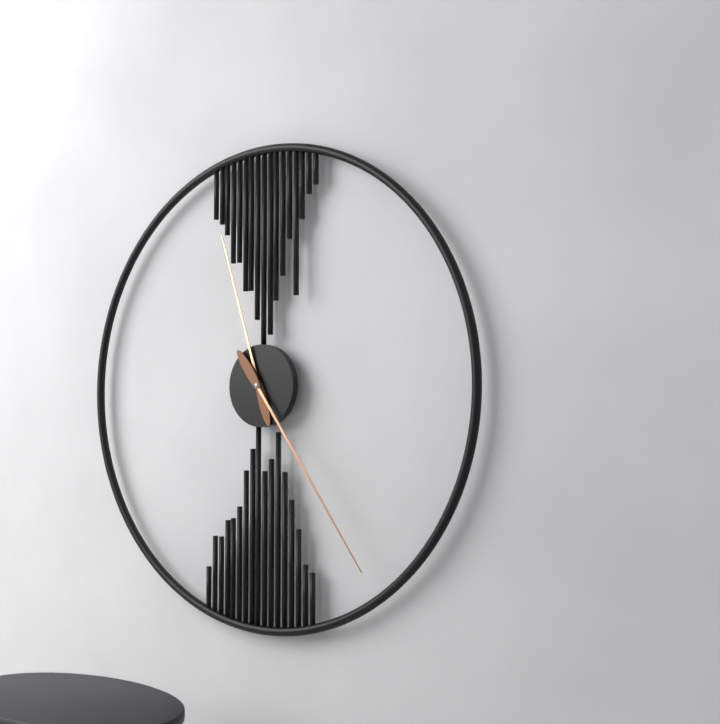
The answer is 11:24
